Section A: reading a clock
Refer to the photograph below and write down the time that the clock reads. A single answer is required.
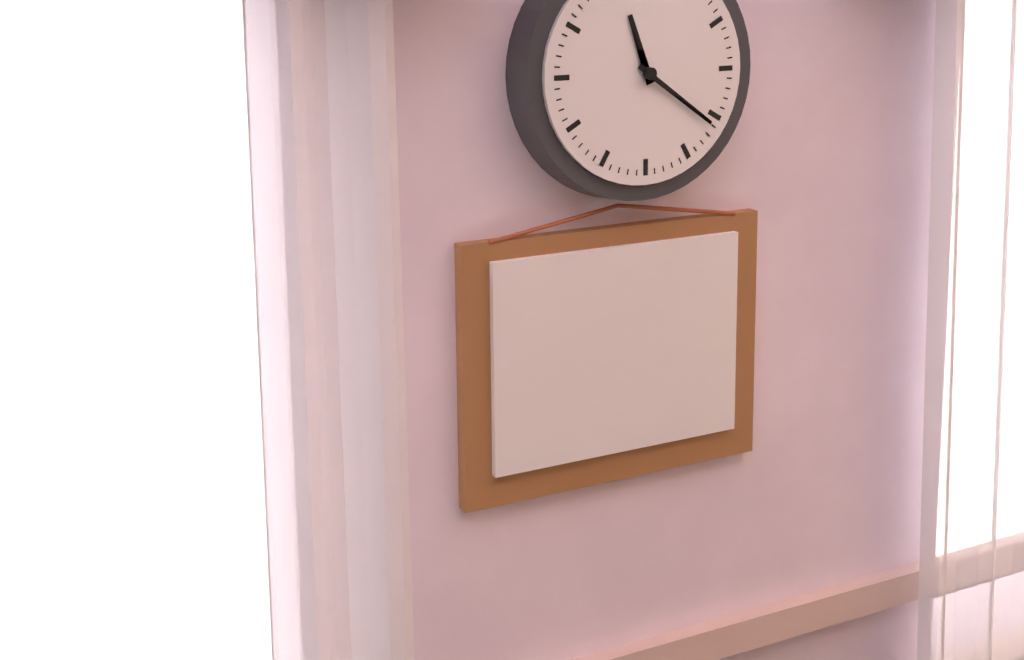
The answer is 11:21
